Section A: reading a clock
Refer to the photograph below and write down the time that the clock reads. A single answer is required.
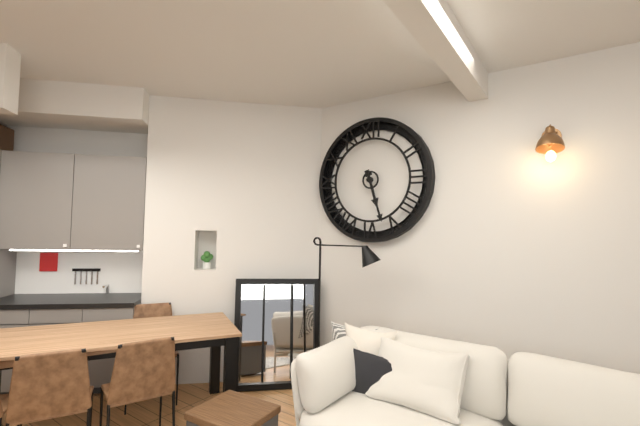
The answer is 5:27
